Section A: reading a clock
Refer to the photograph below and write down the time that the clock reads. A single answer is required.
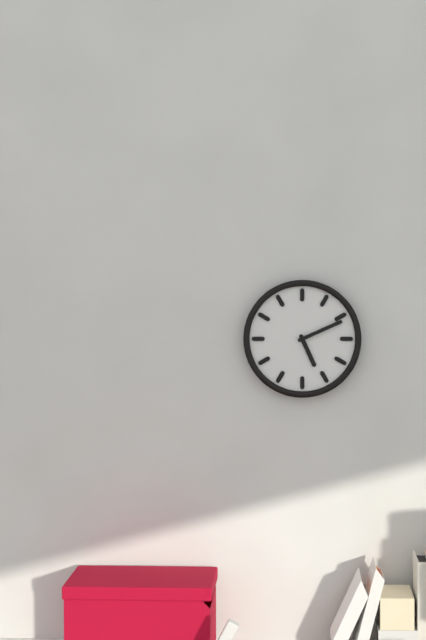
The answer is 5:11
